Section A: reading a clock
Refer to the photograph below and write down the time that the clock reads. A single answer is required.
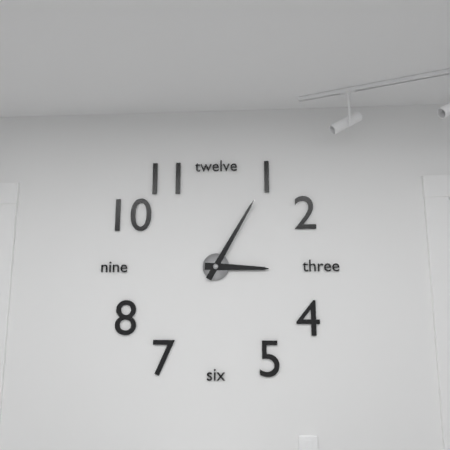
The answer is 3:05
